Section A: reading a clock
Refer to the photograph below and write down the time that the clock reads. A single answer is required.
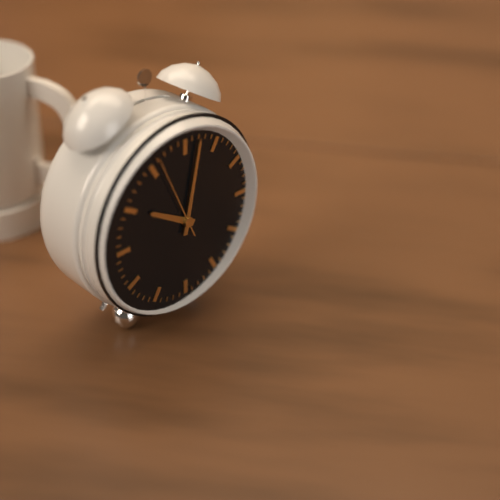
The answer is 10:02:56
